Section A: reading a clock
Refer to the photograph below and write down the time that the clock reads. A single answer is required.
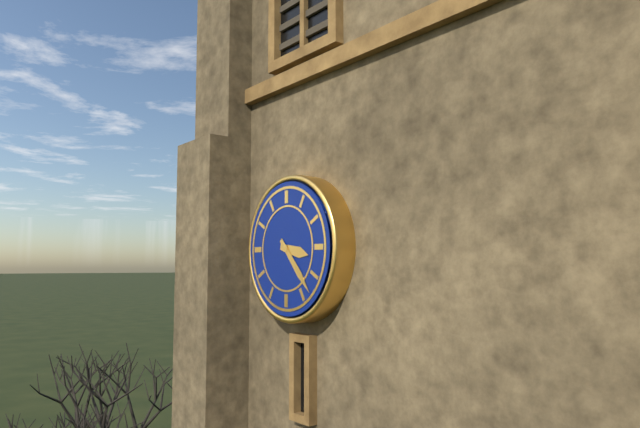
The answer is 3:23
